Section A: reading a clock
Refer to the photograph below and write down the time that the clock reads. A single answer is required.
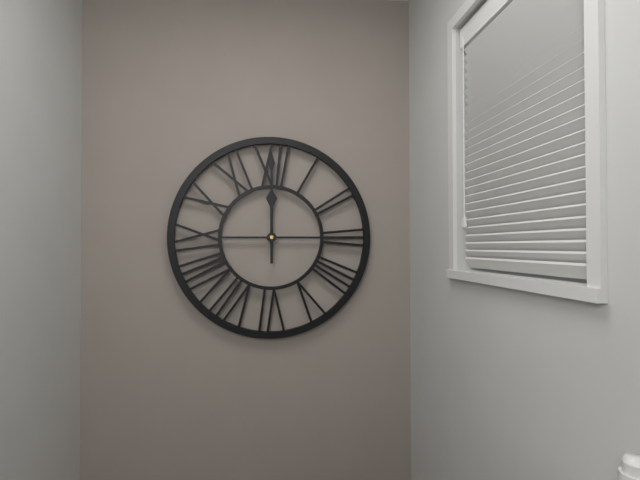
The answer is 12:00
